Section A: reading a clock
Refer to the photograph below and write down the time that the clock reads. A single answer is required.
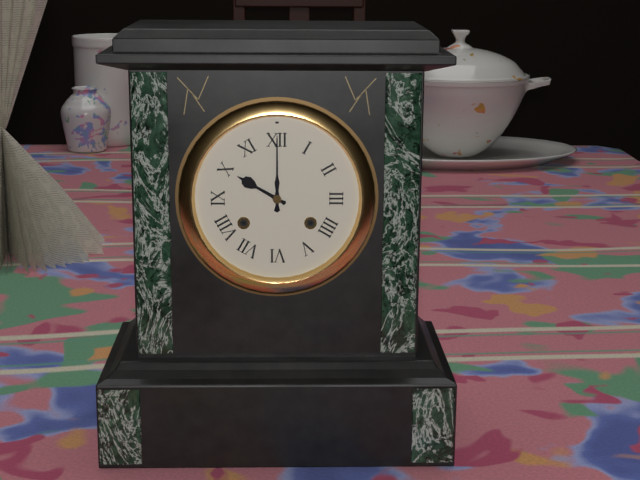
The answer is 10:00
